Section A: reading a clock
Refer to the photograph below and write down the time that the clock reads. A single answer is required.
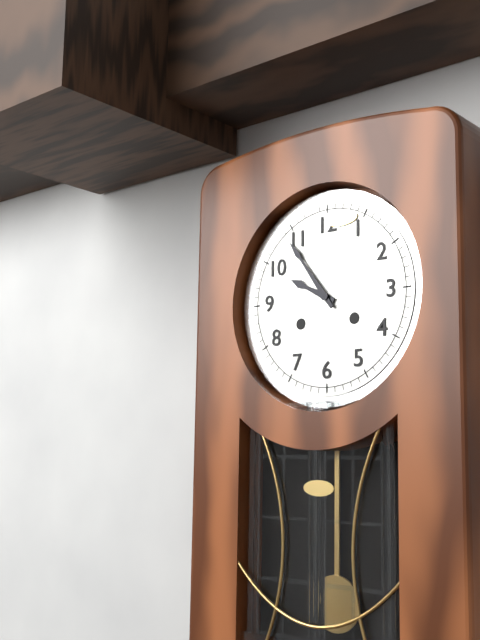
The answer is 9:54
